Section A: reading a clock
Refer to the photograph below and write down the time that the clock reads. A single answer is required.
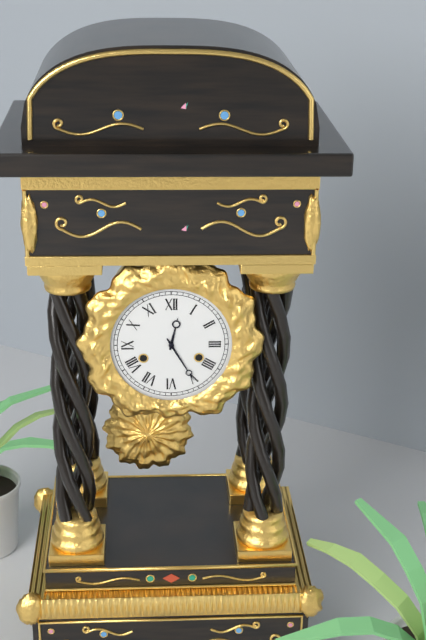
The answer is 12:25
